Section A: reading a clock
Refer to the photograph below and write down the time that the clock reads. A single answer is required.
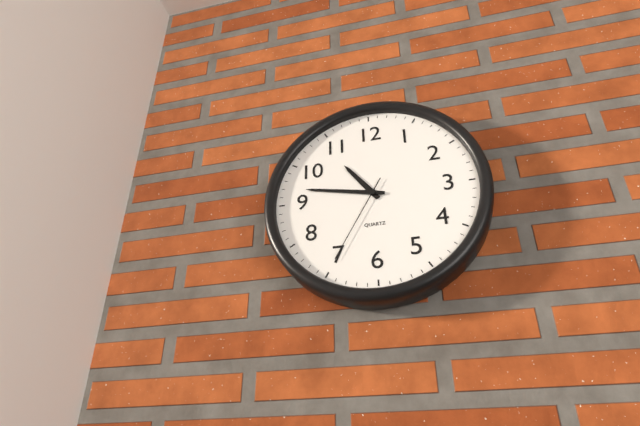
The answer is 10:47:35
